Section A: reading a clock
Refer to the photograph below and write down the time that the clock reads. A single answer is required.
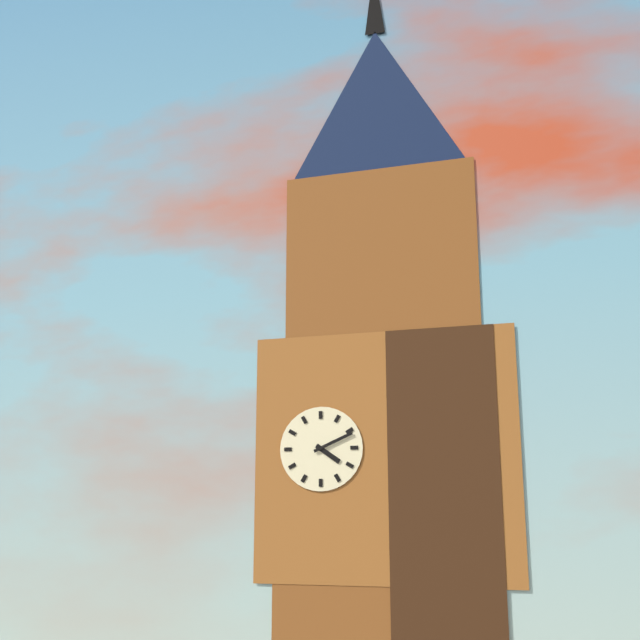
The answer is 4:11
